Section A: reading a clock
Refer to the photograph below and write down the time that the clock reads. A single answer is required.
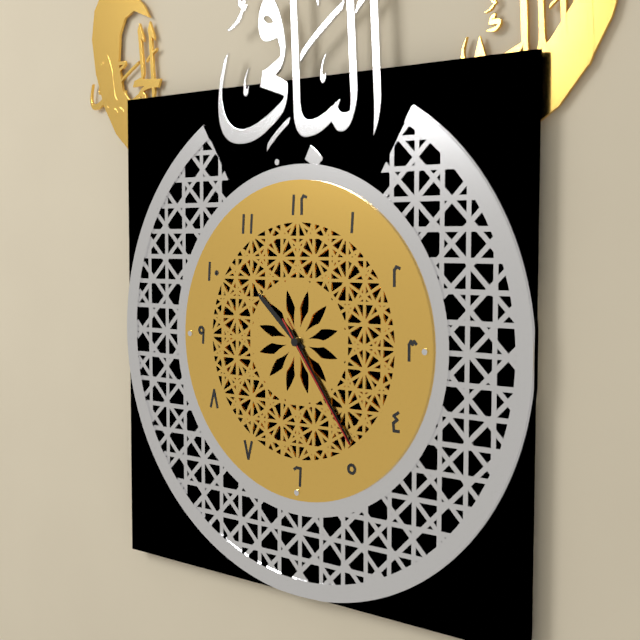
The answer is 10:24:24
